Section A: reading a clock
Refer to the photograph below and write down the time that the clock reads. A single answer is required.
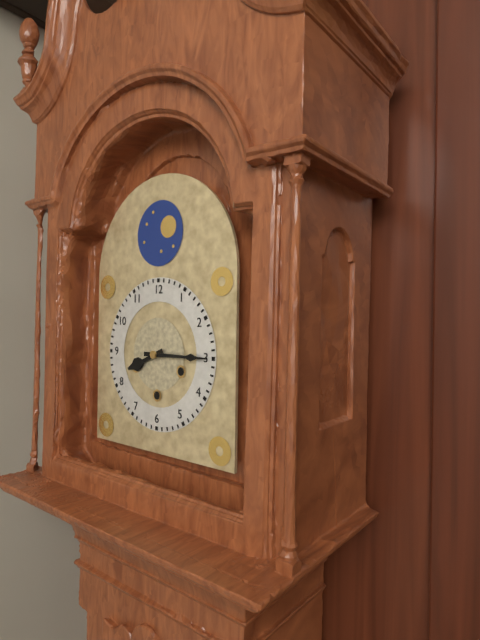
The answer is 8:15
